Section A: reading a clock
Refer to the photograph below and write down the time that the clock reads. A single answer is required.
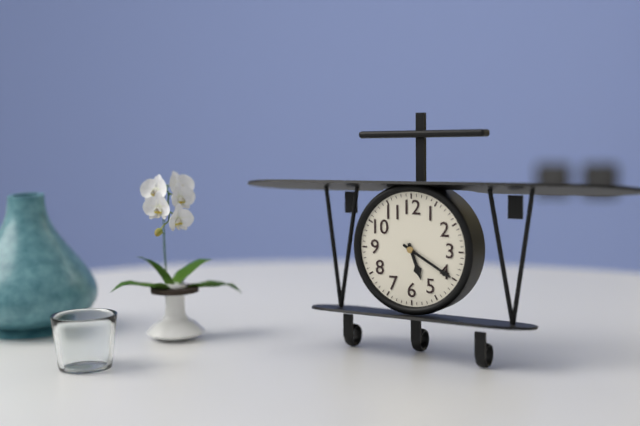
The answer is 5:20
